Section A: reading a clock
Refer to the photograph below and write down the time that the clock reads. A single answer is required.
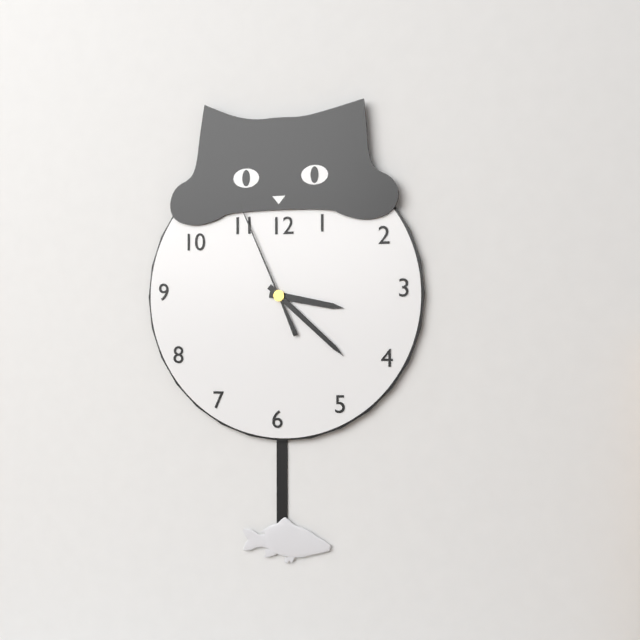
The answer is 3:22:56
